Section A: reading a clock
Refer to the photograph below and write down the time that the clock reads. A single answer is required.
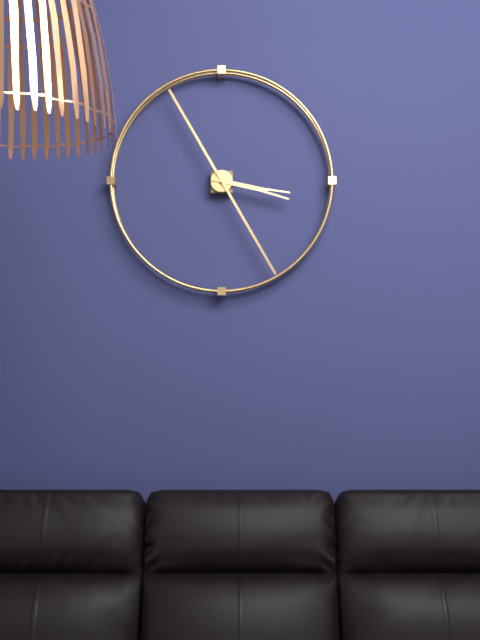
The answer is 3:25
